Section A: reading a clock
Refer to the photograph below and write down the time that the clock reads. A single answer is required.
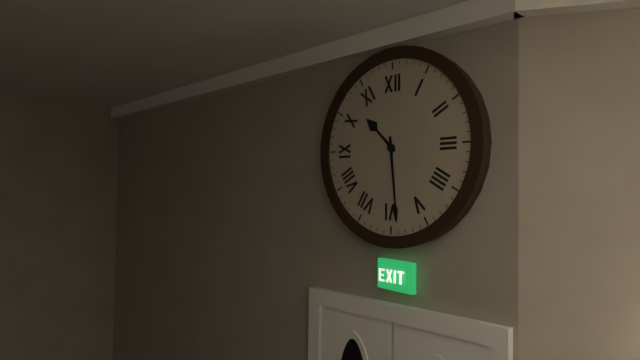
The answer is 10:29
